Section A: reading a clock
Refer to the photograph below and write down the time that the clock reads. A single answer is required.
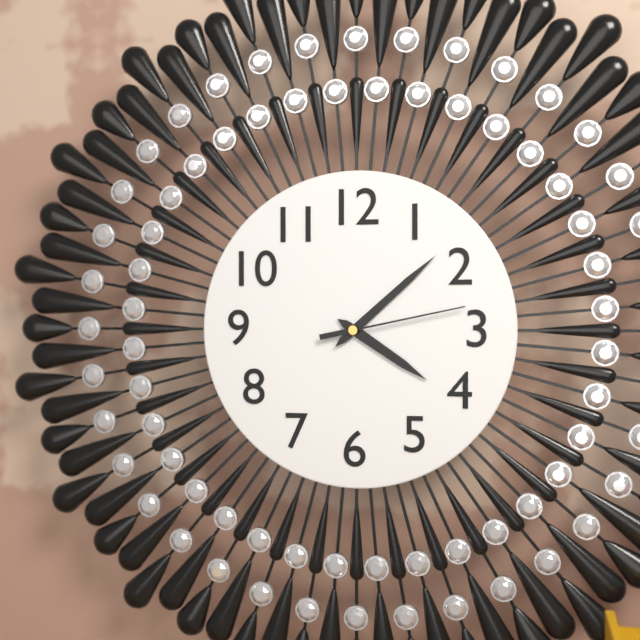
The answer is 4:08:13
